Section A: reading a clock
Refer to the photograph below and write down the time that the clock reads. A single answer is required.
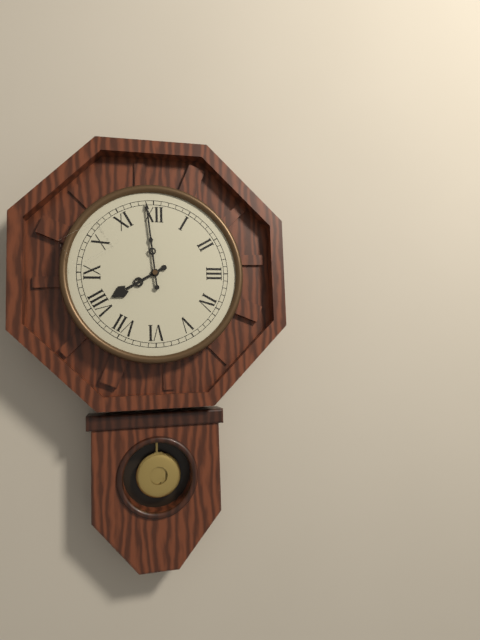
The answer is 7:59
